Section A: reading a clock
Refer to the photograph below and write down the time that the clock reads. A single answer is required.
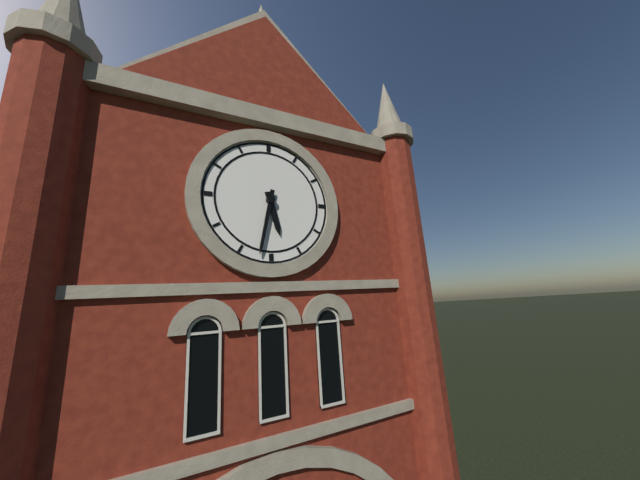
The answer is 5:32
